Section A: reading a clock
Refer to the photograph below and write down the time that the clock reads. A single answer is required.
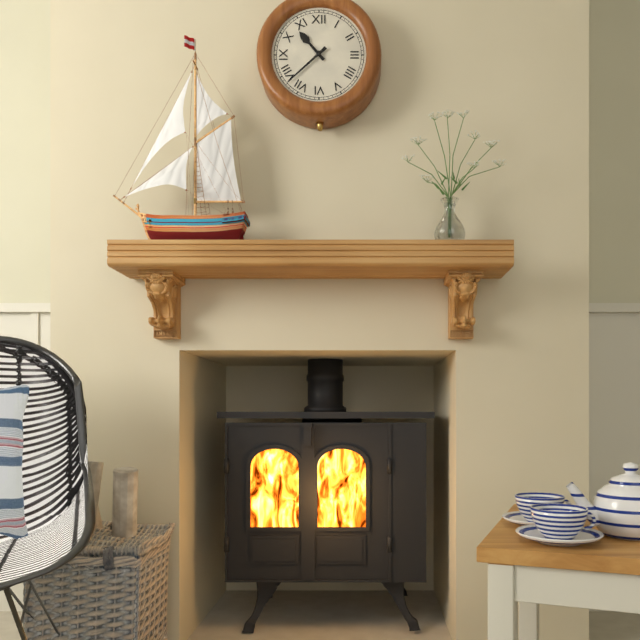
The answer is 10:38
